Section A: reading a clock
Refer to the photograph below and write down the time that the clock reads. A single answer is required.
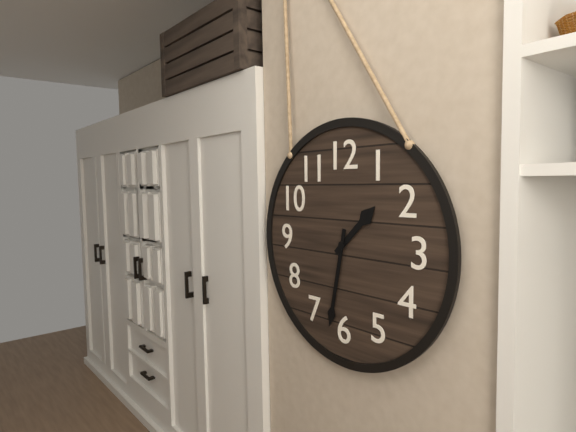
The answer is 1:32
